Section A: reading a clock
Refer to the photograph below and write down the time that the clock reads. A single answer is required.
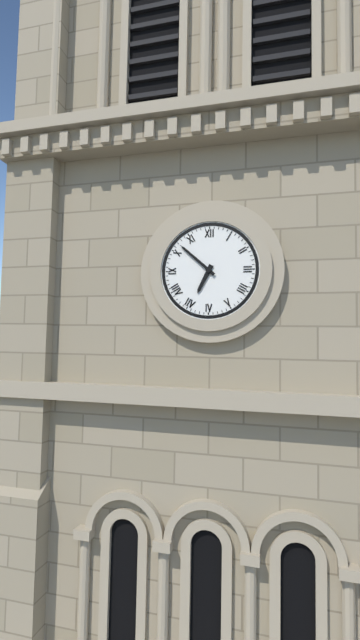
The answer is 6:52
